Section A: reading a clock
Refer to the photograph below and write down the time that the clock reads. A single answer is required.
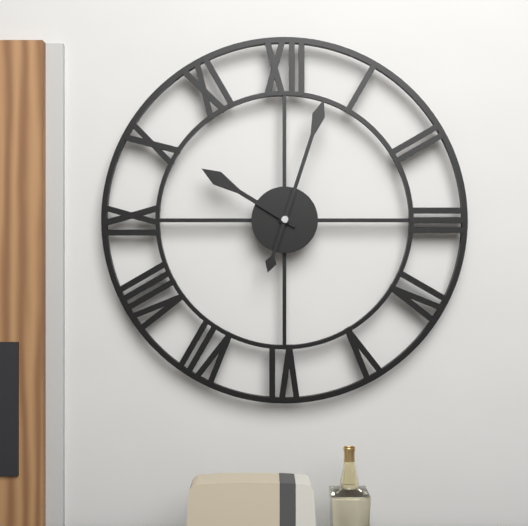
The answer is 10:03
